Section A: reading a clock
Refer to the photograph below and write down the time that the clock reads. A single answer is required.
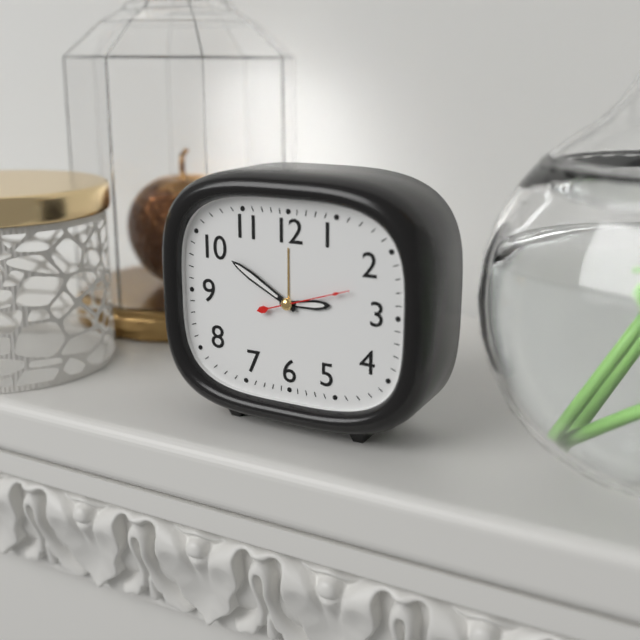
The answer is 2:50:12
